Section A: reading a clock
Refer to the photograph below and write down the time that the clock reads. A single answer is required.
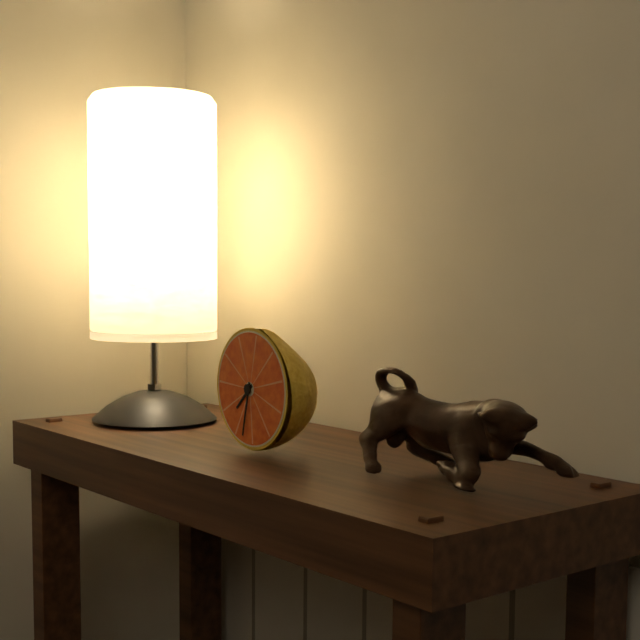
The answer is 7:32
